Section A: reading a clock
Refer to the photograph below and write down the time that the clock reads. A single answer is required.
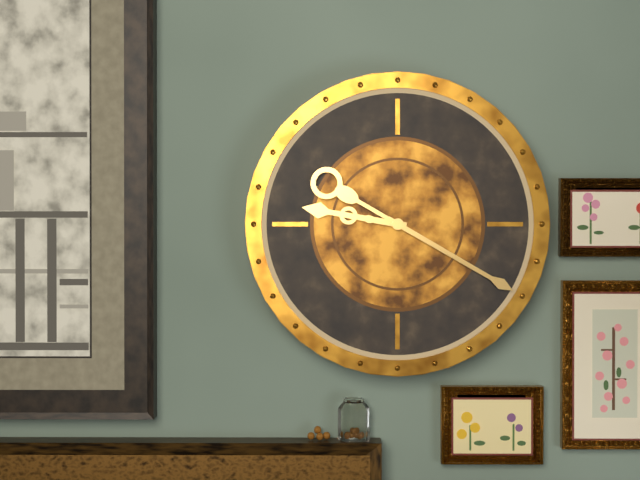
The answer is 9:20
